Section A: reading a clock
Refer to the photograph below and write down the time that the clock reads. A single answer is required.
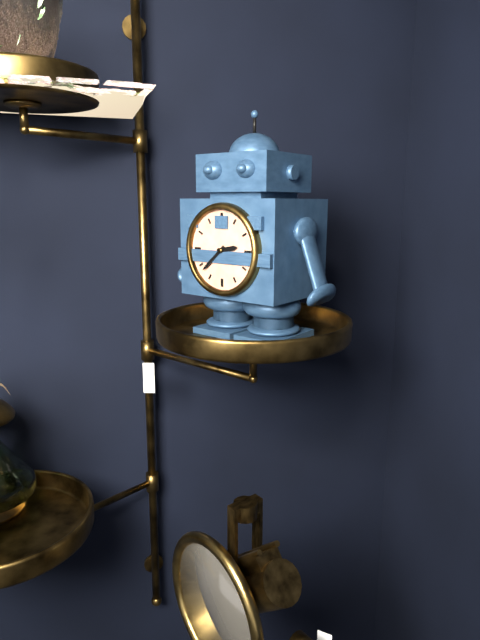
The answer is 2:38
